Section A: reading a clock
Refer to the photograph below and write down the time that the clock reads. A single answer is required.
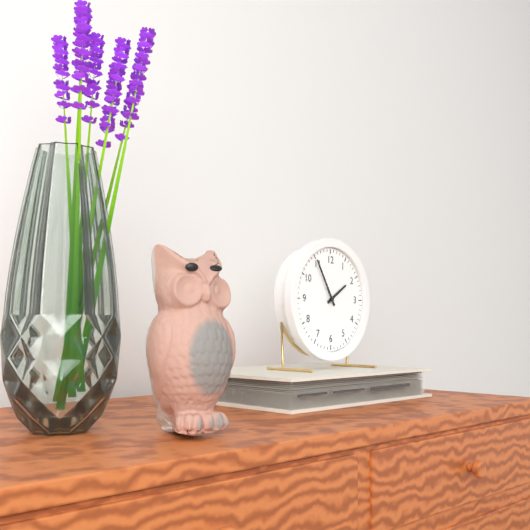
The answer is 1:55
